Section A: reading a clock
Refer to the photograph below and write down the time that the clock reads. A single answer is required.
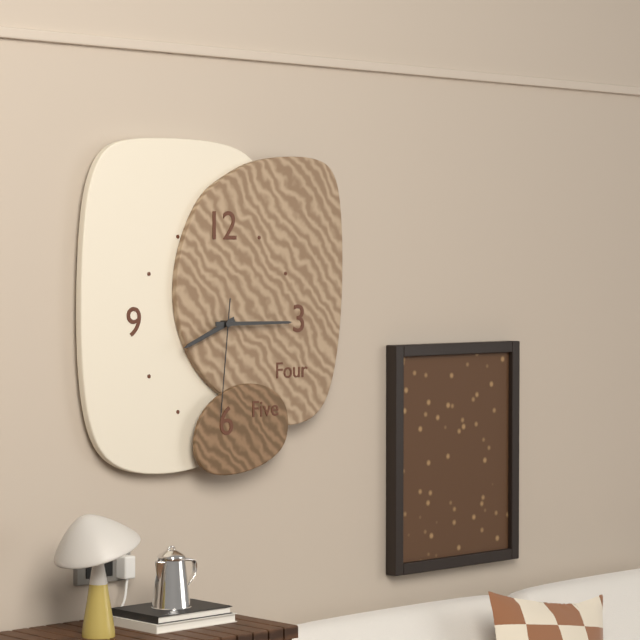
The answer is 8:15:31
